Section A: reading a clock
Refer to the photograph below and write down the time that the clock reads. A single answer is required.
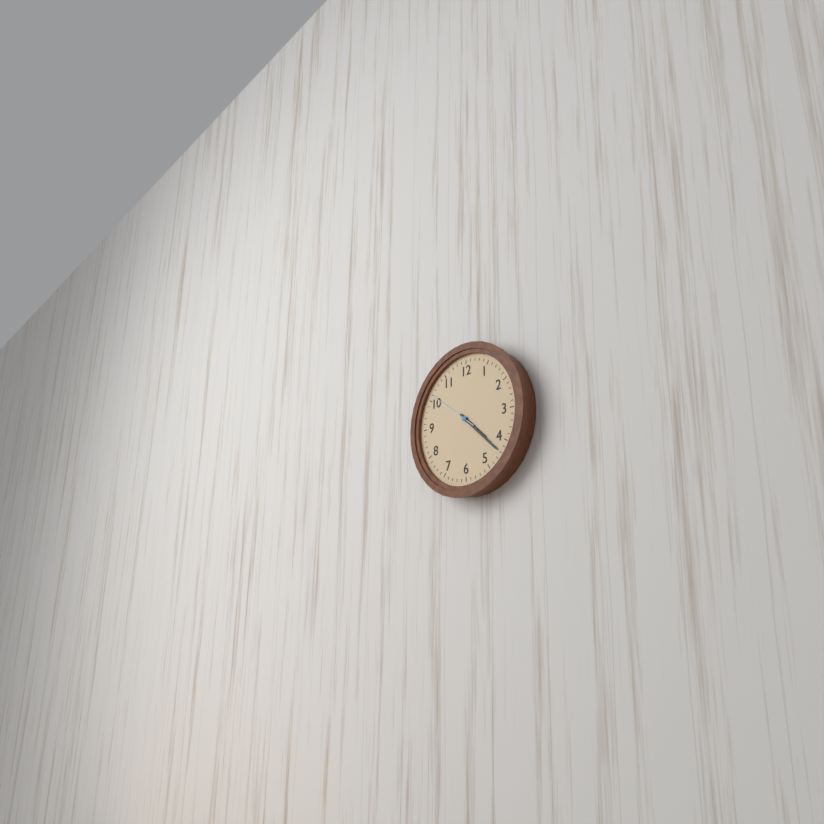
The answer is 4:22:51
